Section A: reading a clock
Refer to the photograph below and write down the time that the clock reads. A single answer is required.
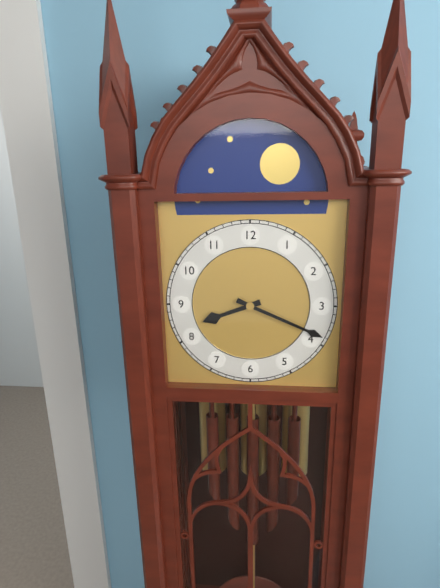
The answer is 8:19
